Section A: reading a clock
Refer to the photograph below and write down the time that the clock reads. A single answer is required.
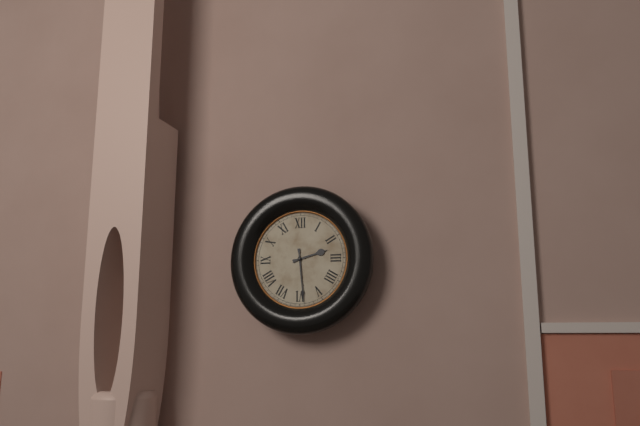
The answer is 2:29
